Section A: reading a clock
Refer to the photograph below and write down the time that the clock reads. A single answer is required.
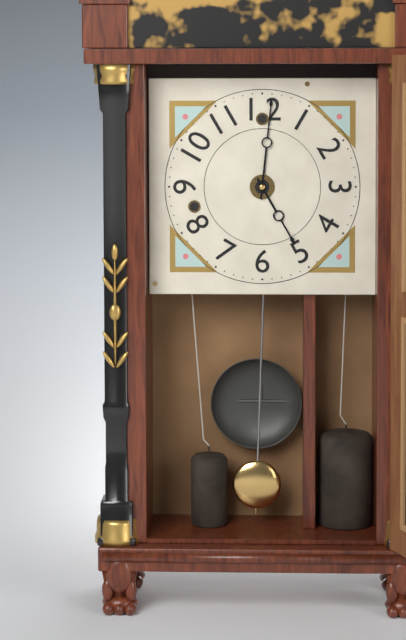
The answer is 5:01
